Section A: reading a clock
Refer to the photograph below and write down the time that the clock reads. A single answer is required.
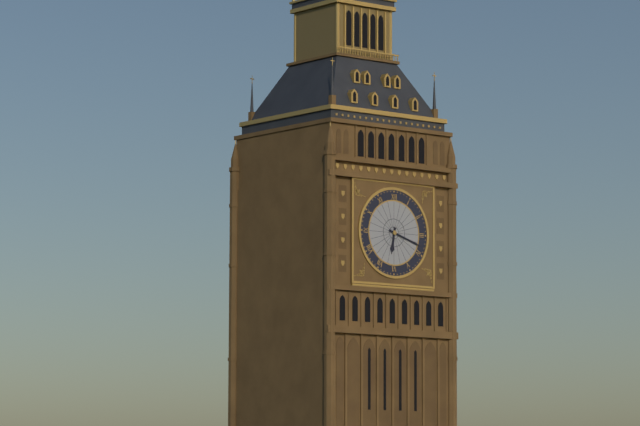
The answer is 6:18
